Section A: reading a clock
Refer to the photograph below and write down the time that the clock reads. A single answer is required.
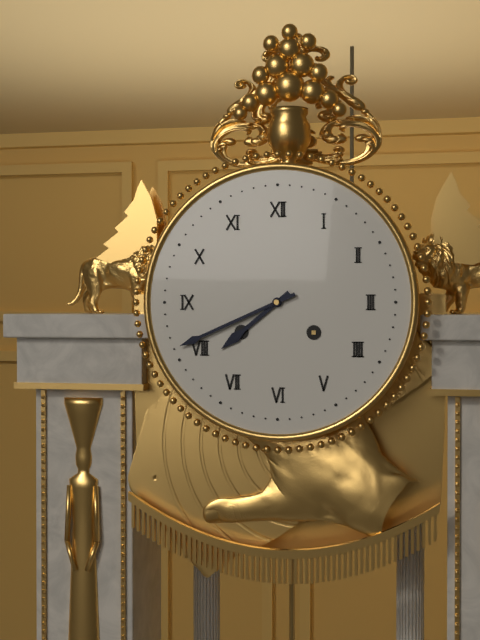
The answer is 7:41
